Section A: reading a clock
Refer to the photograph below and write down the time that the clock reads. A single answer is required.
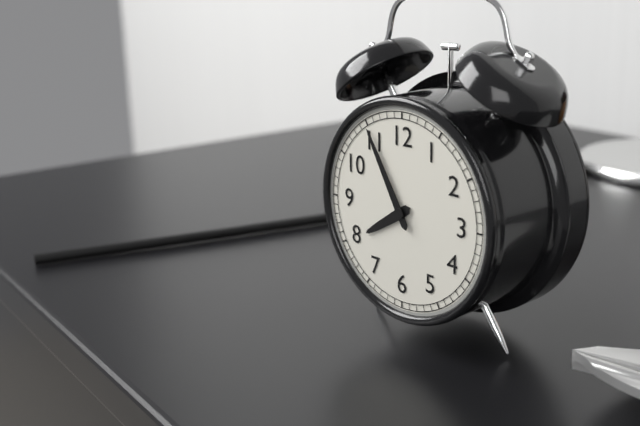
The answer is 7:55
